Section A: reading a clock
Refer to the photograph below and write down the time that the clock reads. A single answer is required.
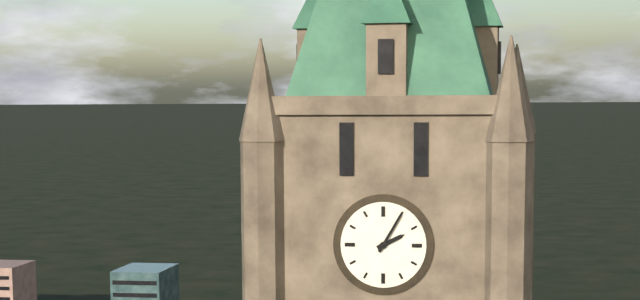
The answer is 2:05
